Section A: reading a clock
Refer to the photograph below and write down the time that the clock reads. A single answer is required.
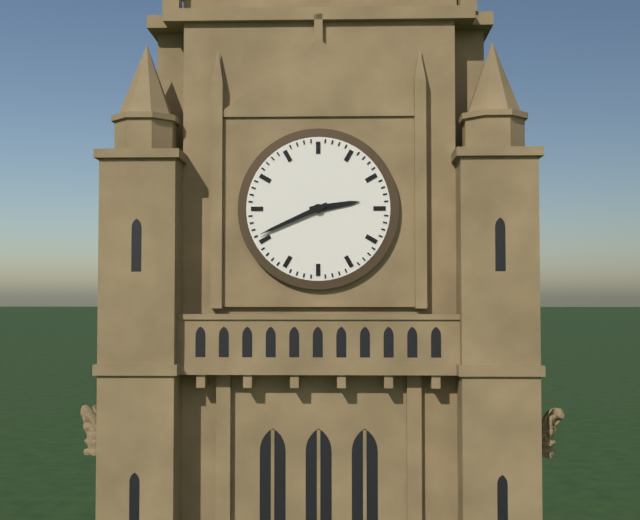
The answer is 2:41
